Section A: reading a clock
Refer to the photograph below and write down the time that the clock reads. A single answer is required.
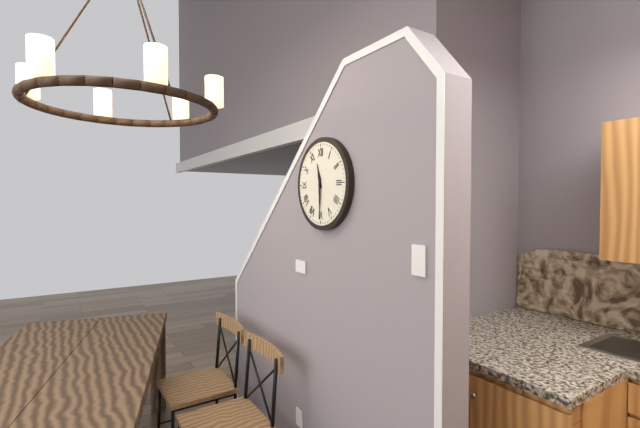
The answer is 11:30
